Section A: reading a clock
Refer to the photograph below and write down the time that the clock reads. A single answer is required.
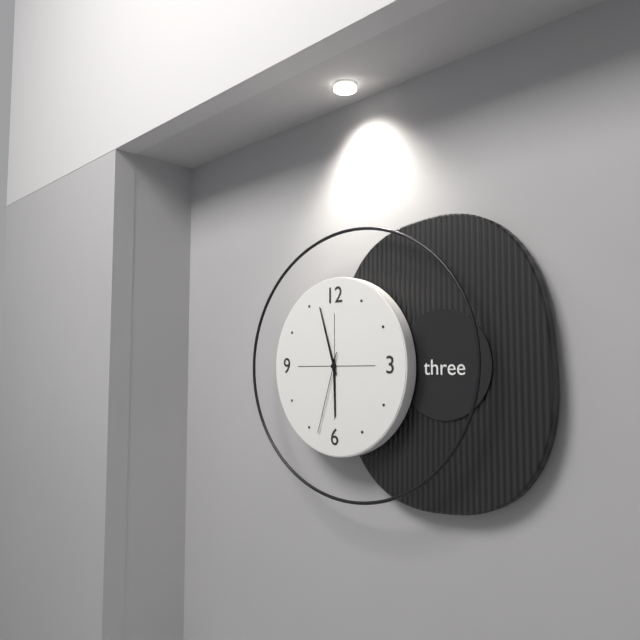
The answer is 5:57:33
